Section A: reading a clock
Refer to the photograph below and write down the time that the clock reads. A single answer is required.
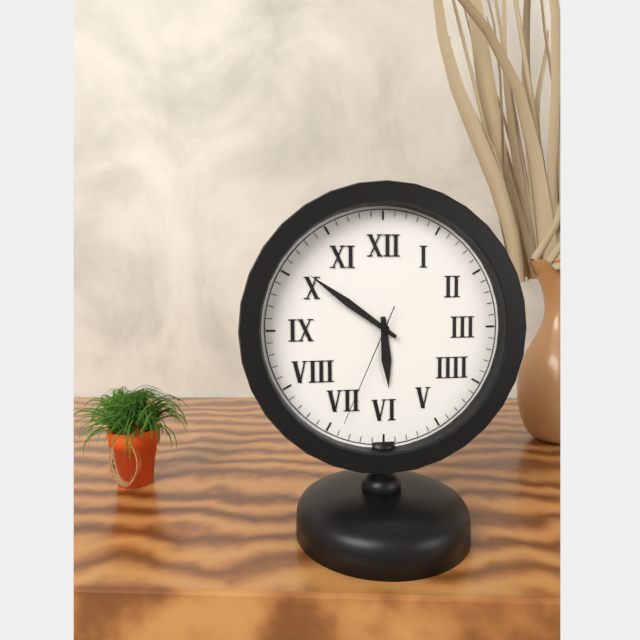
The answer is 5:51:34
